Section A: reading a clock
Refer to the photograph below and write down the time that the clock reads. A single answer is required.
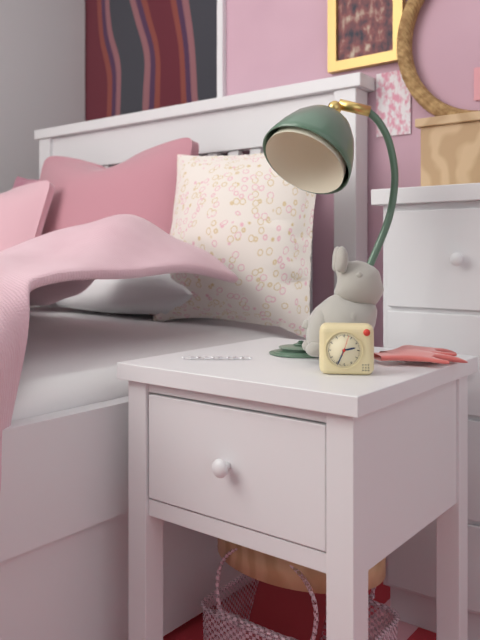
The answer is 2:34
